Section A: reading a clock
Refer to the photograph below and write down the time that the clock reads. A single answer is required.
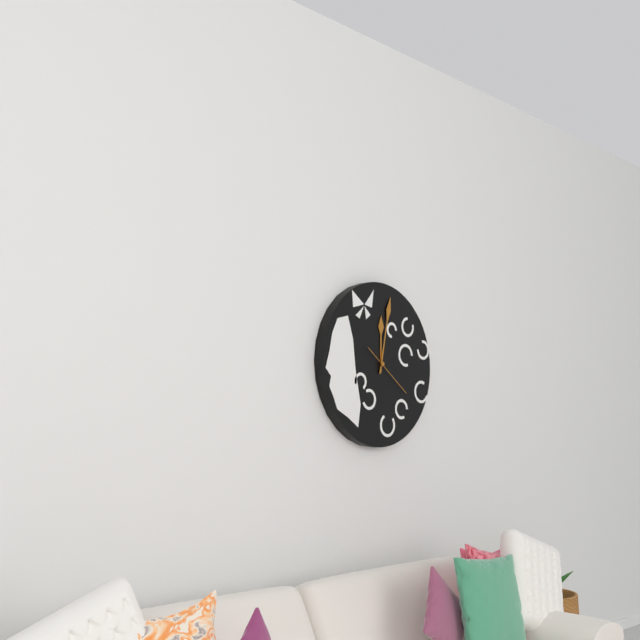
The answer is 12:02
